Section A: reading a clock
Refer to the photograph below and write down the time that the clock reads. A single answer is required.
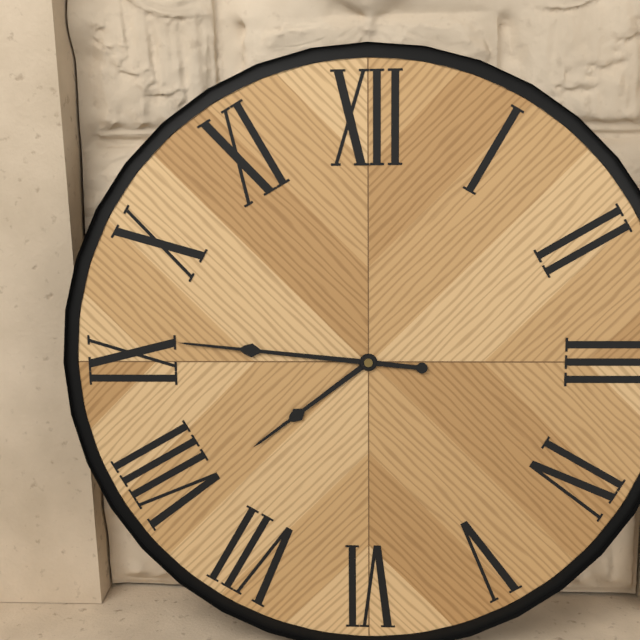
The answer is 7:46
